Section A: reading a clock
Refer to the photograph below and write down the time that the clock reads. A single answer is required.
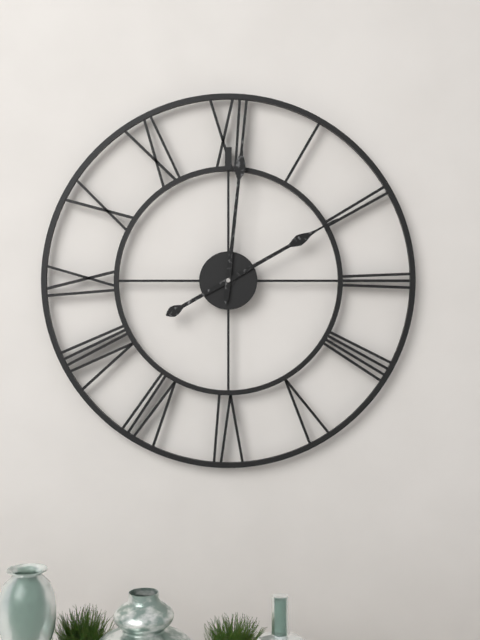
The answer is 2:01
